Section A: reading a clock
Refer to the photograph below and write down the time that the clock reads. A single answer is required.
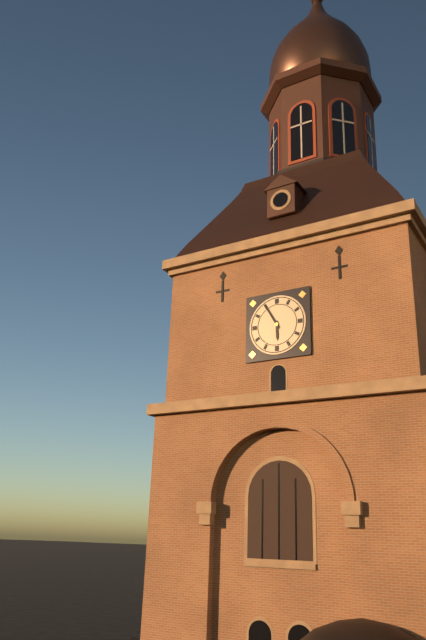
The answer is 5:55
